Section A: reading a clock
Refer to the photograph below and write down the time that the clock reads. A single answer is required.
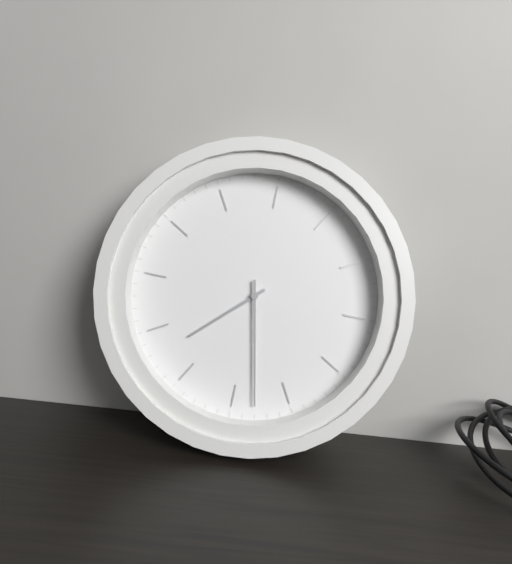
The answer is 8:33
